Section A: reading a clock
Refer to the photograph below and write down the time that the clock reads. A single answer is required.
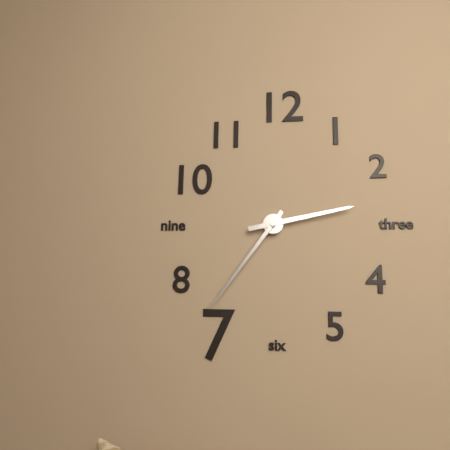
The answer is 2:36
